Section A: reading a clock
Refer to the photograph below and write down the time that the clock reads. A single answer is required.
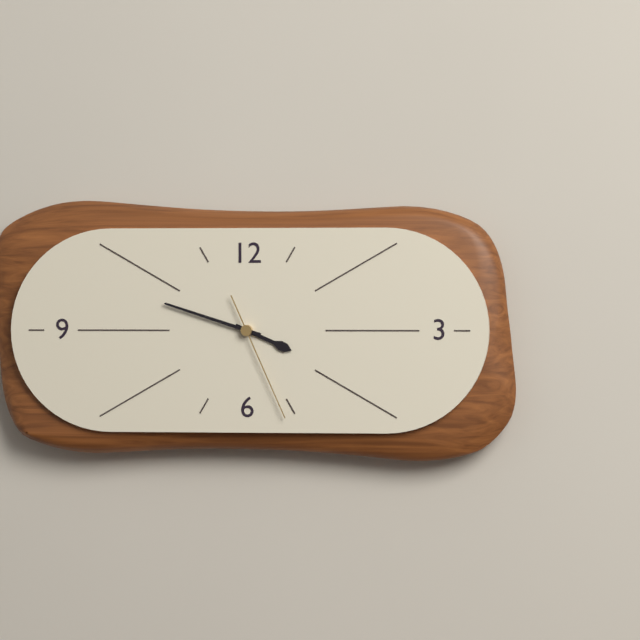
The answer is 3:48:26
